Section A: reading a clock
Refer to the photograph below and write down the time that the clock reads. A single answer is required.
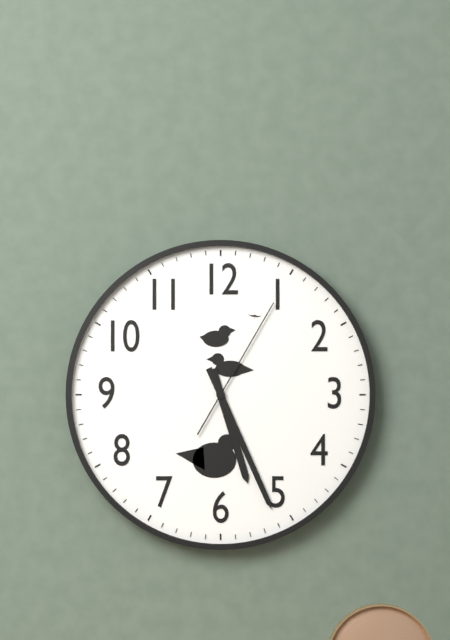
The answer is 5:26:05
